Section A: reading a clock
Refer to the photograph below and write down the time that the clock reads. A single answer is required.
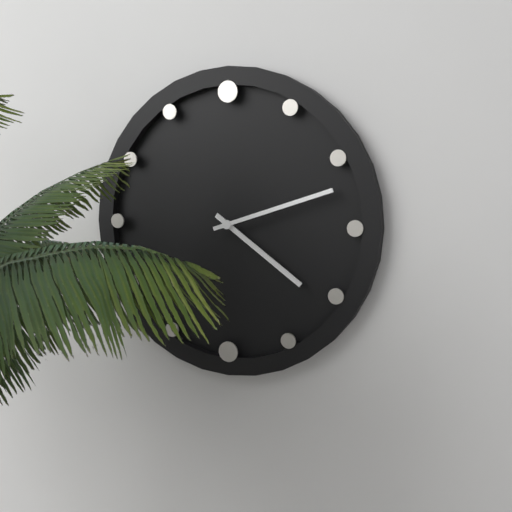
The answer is 4:12
